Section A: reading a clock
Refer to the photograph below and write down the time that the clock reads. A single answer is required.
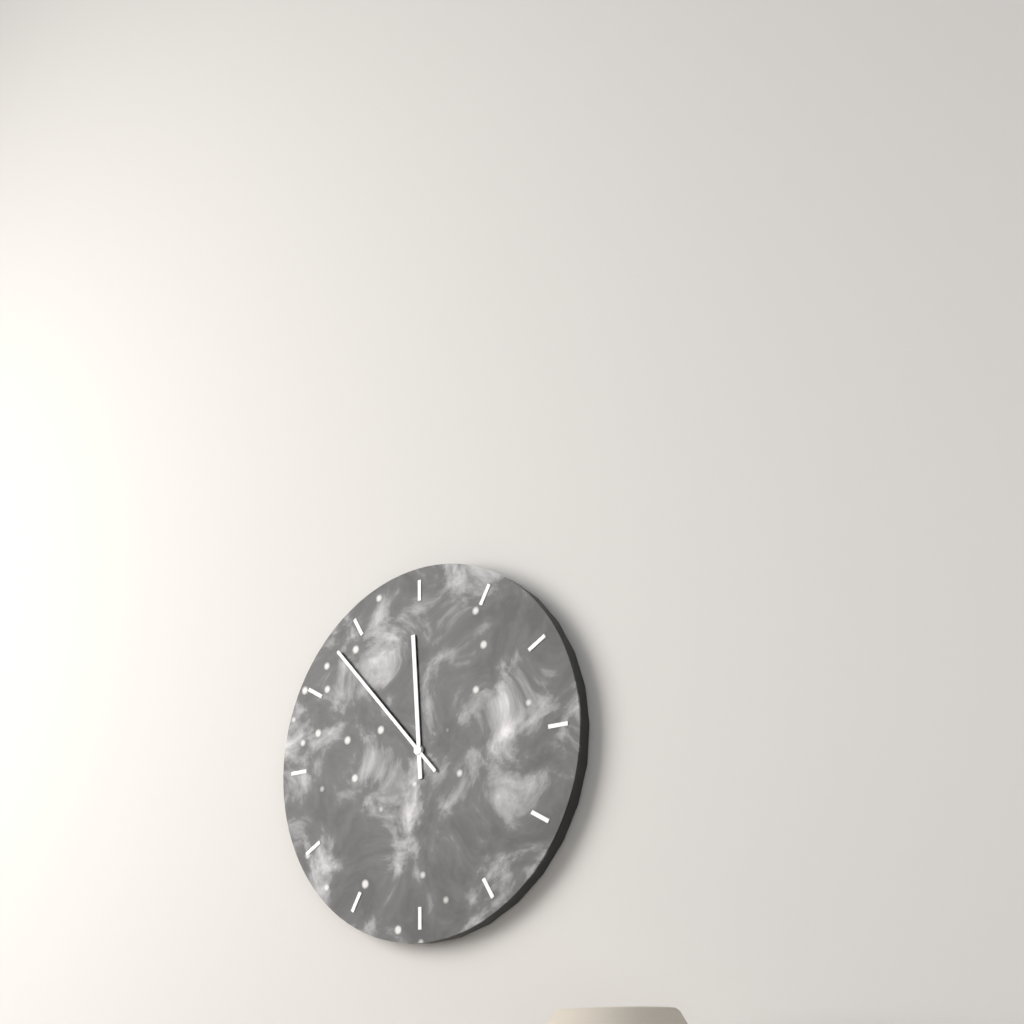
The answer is 11:53
